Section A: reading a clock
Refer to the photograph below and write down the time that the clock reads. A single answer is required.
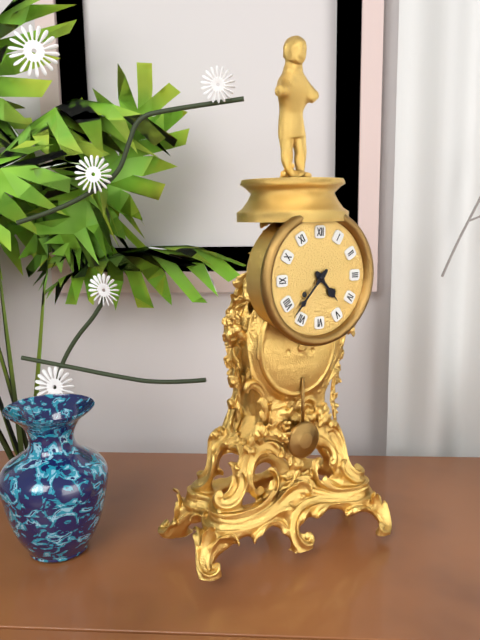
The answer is 4:37
